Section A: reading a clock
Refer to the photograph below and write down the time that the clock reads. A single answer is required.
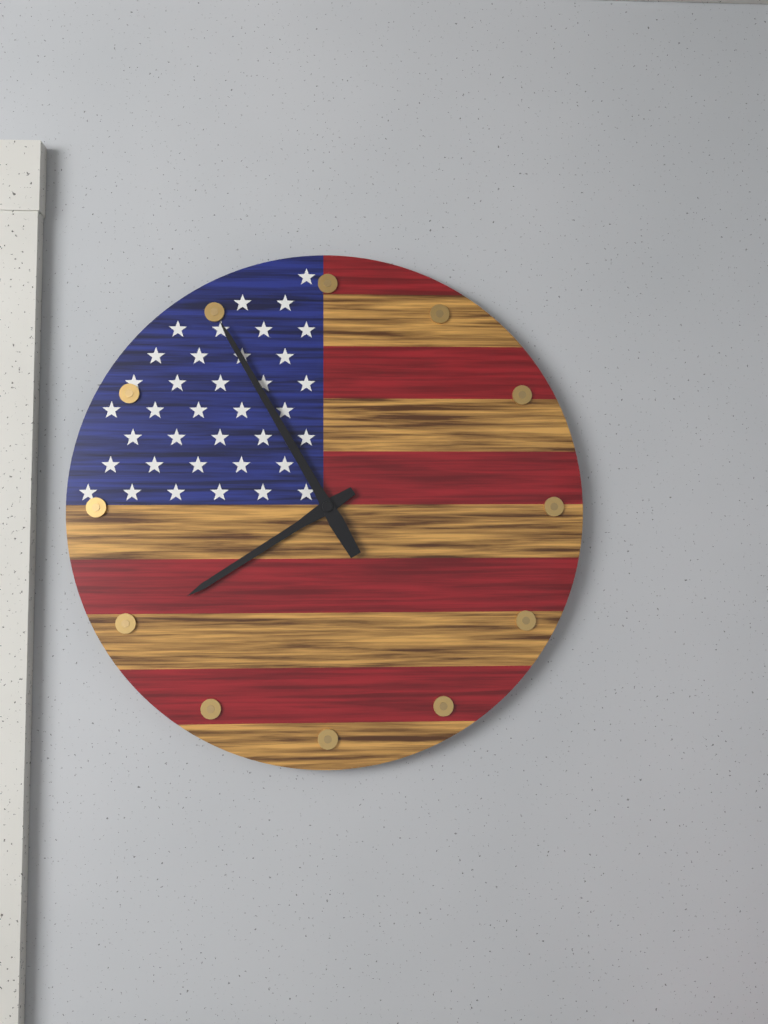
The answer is 7:55
